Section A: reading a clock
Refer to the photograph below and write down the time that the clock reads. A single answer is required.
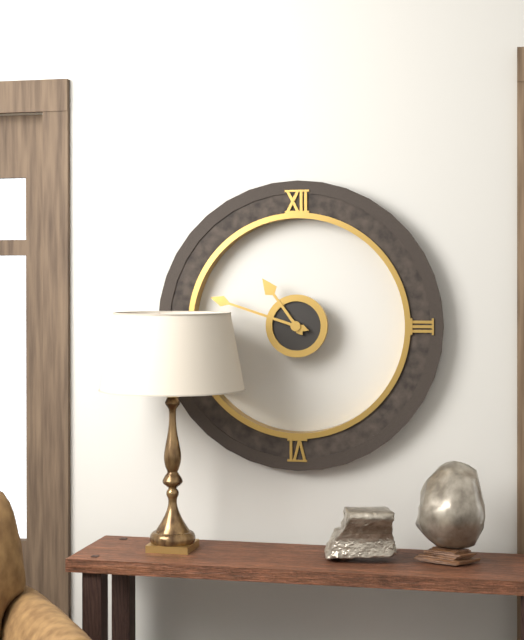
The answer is 10:48
